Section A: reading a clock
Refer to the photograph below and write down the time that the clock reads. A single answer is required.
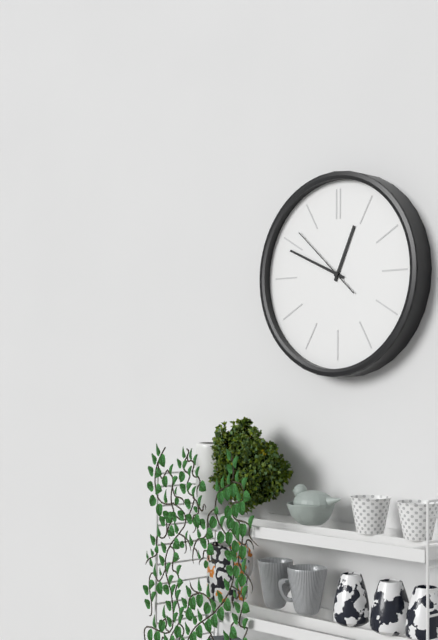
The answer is 12:49:52
